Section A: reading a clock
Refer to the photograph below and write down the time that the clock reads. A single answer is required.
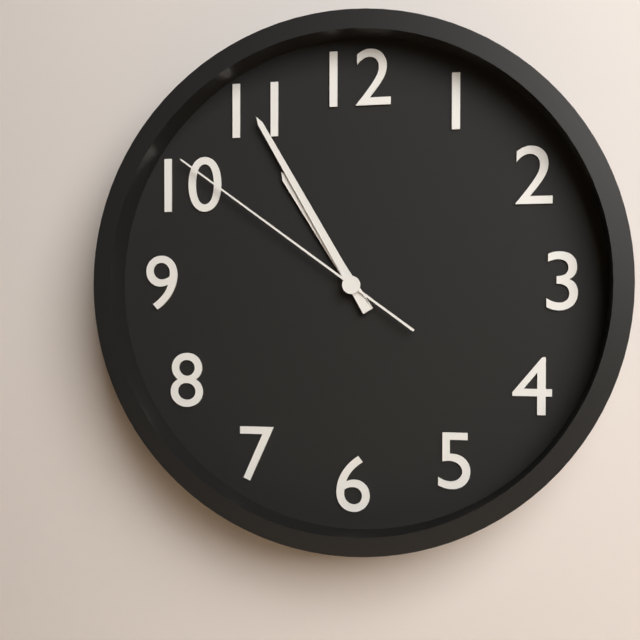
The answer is 10:55:51
